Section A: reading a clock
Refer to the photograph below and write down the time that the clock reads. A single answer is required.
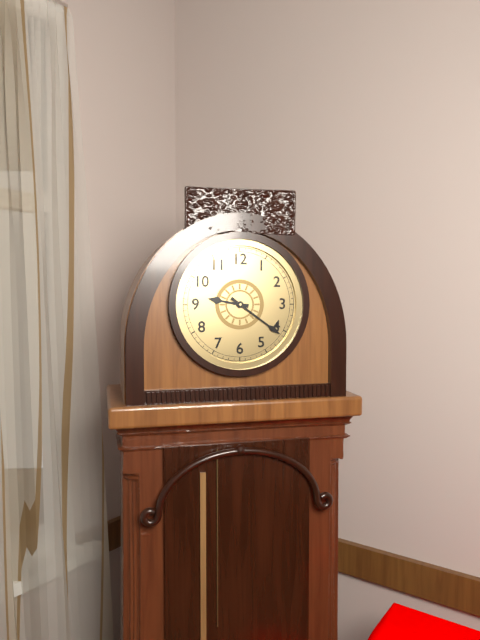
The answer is 9:21
